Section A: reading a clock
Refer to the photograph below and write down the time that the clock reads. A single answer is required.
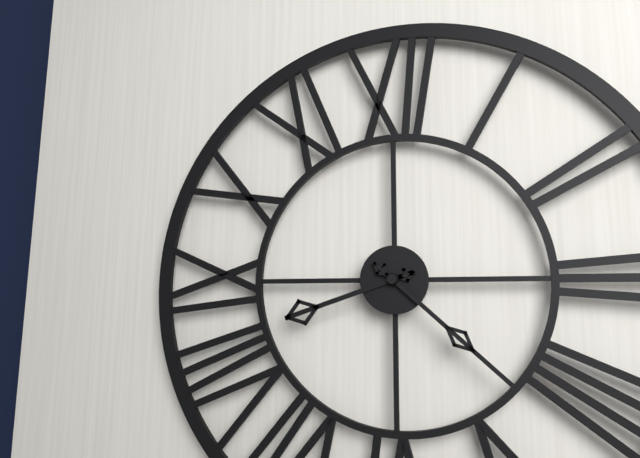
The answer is 8:22
